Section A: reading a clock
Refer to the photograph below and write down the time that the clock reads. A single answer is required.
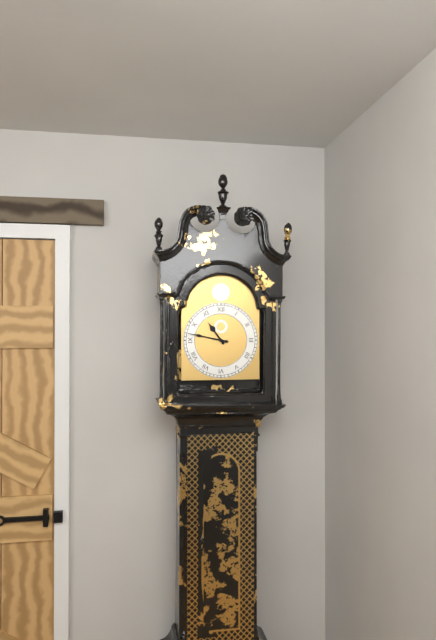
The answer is 10:47
